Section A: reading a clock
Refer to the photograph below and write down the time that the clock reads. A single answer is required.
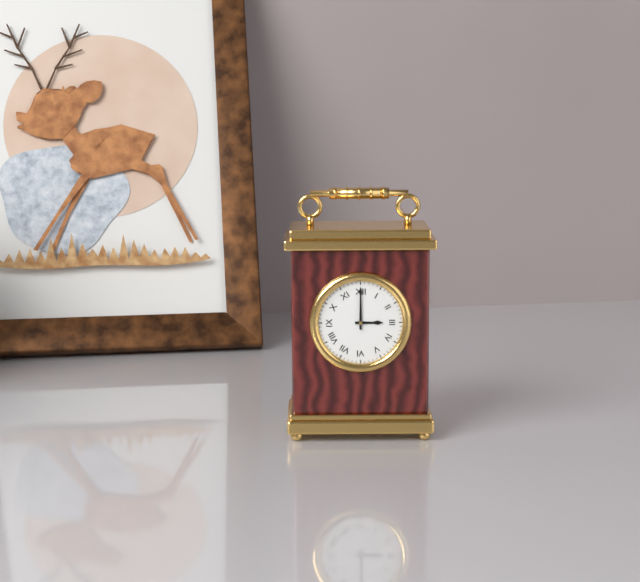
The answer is 3:00
